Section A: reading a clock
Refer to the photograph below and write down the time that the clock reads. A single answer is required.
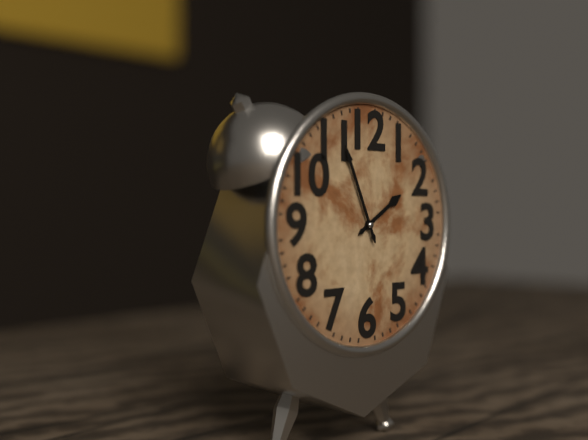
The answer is 1:56
